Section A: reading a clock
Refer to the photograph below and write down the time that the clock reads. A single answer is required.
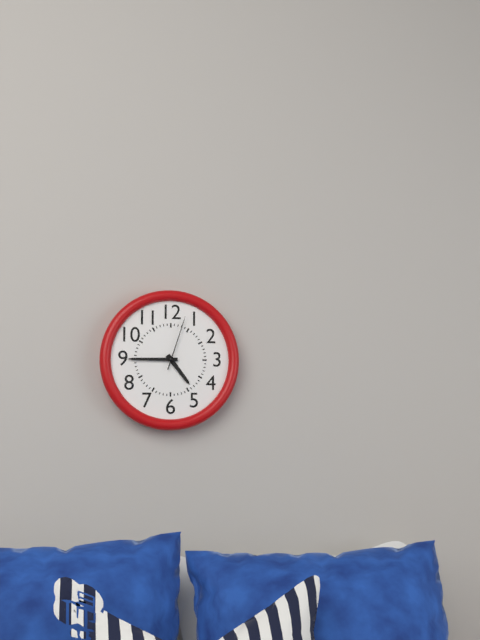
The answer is 4:45:03
